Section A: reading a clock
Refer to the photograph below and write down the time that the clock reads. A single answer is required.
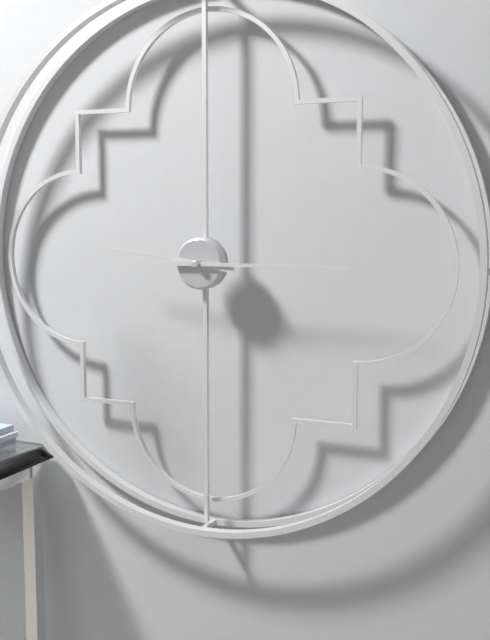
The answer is 9:15
